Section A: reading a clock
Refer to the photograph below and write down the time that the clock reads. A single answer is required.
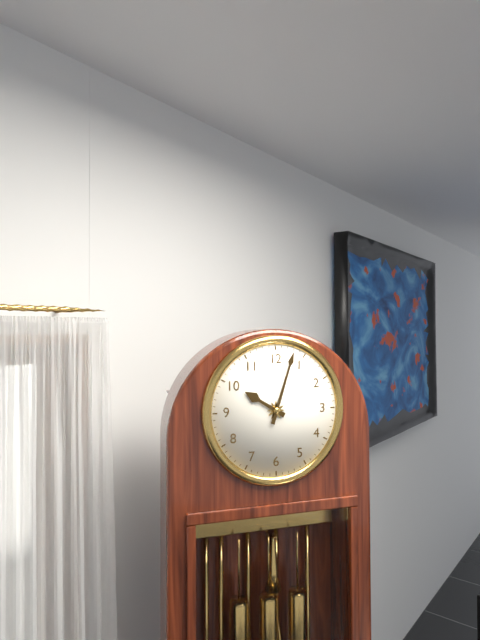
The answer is 10:03
